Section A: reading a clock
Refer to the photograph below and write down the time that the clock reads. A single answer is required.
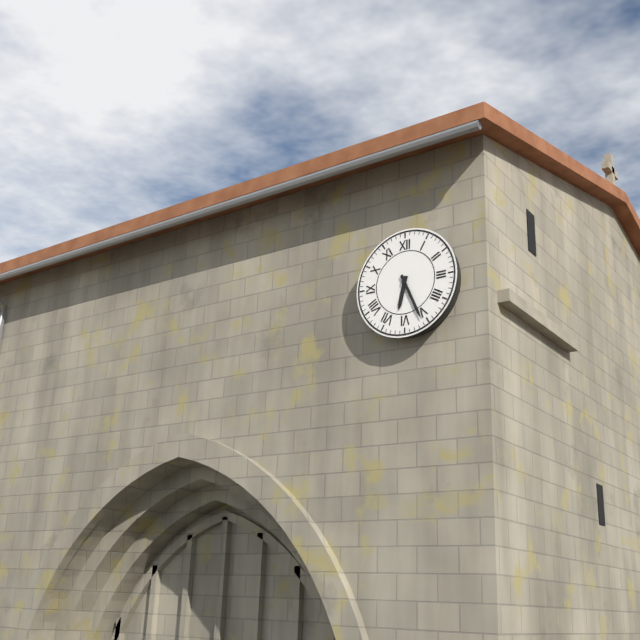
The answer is 6:26
